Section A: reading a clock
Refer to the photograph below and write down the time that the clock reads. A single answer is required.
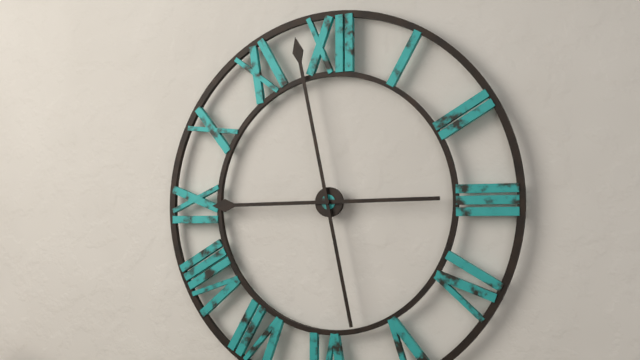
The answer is 8:58
